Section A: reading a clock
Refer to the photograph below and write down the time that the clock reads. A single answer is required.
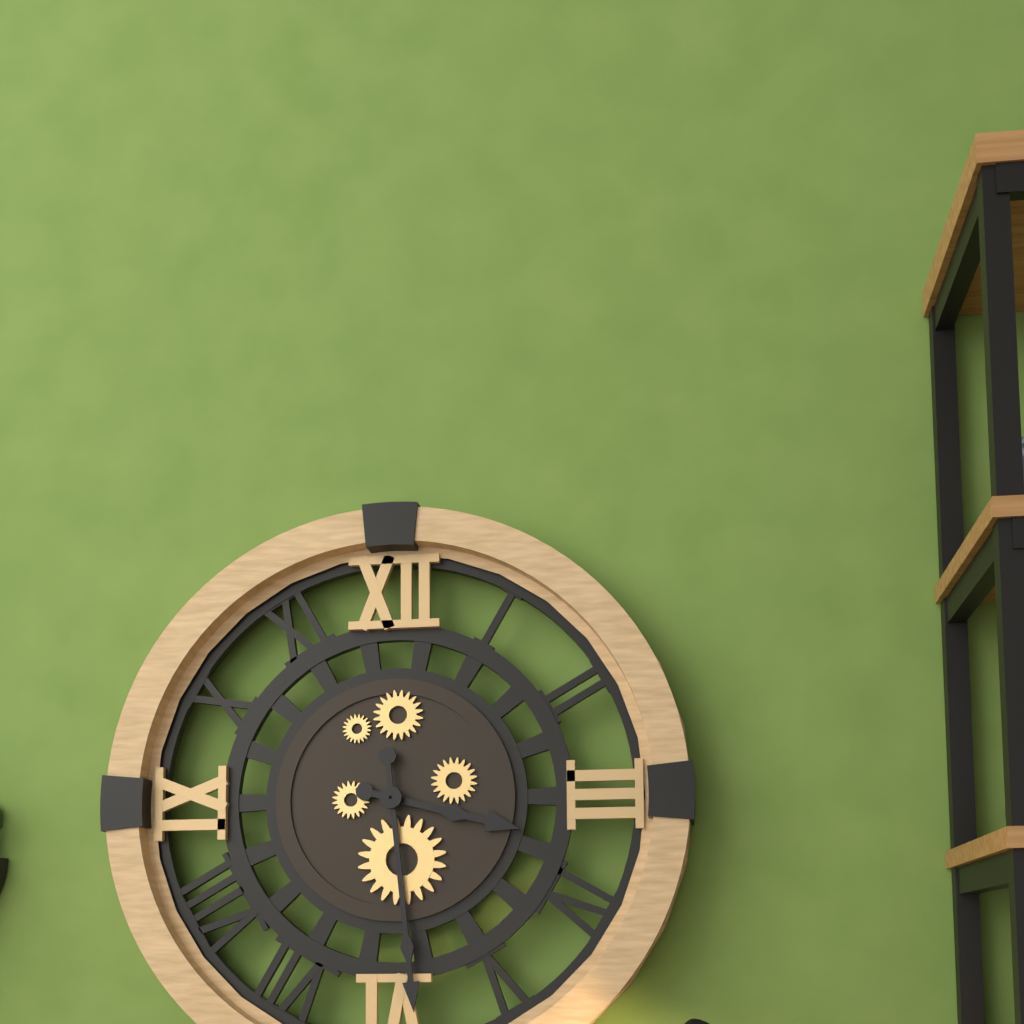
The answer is 3:29
